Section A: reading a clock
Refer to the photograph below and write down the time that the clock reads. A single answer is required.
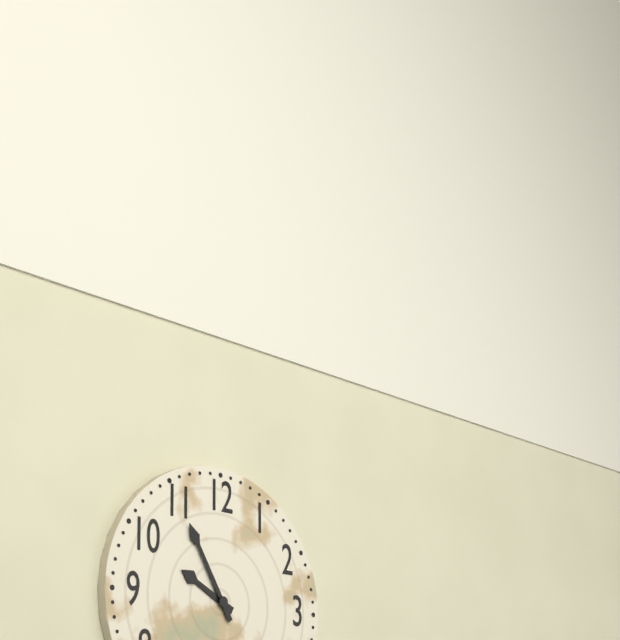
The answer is 9:55
